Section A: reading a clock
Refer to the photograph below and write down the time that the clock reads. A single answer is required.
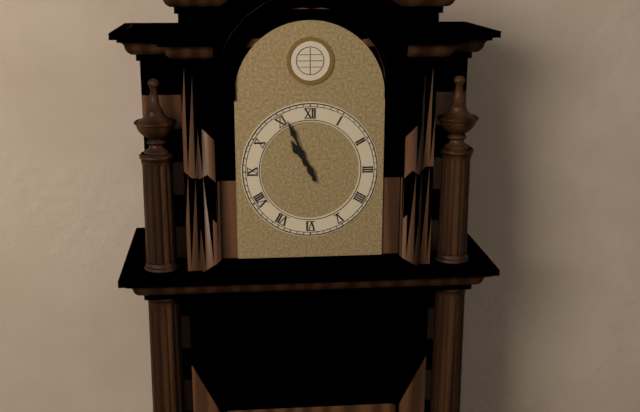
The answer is 10:56
